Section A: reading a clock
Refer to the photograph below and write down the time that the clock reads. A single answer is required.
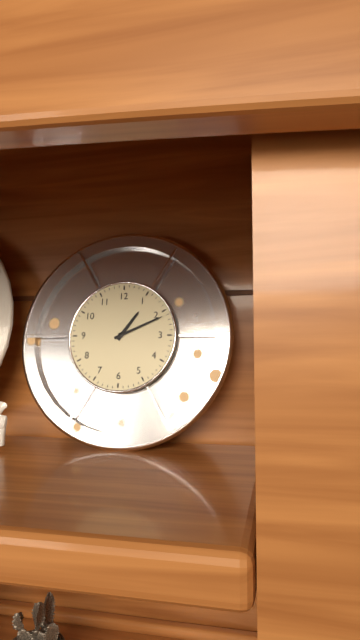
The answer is 1:11
